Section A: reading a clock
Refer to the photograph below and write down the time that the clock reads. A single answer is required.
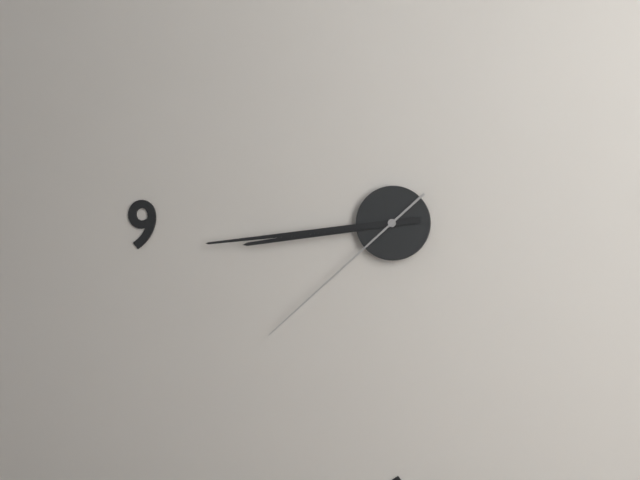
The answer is 8:44:38
